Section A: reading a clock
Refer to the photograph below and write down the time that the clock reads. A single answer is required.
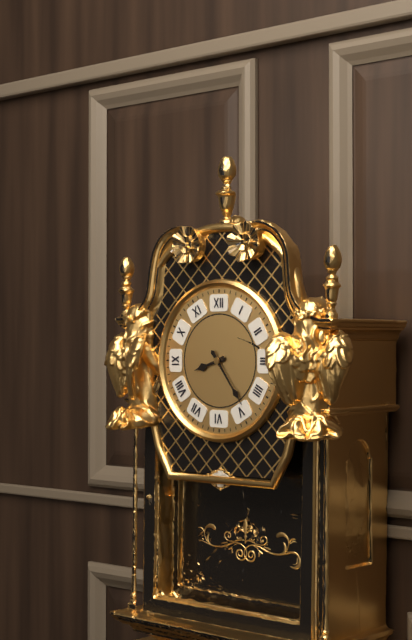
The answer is 8:24
